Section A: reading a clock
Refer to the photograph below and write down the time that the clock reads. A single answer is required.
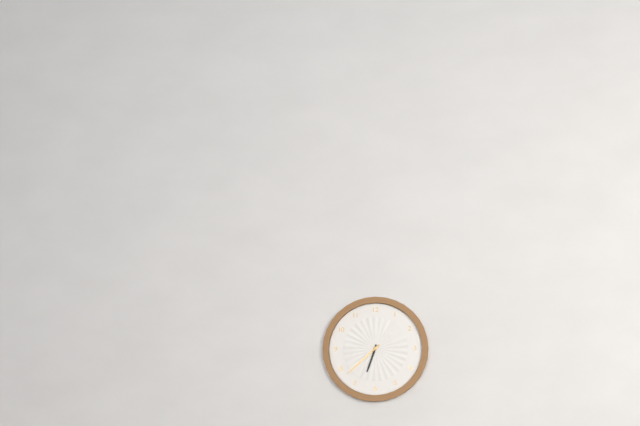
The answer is 6:38
